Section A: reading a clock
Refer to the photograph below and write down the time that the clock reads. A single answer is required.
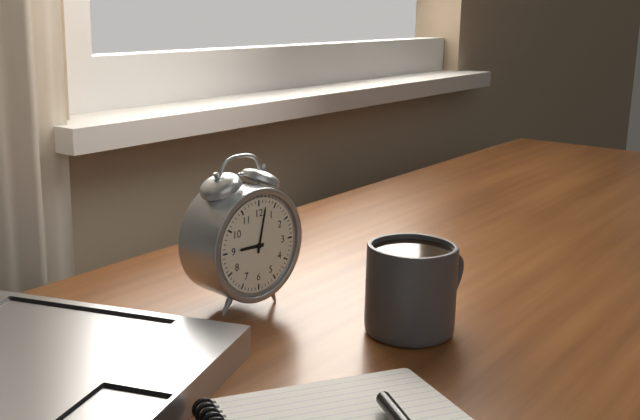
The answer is 9:02
